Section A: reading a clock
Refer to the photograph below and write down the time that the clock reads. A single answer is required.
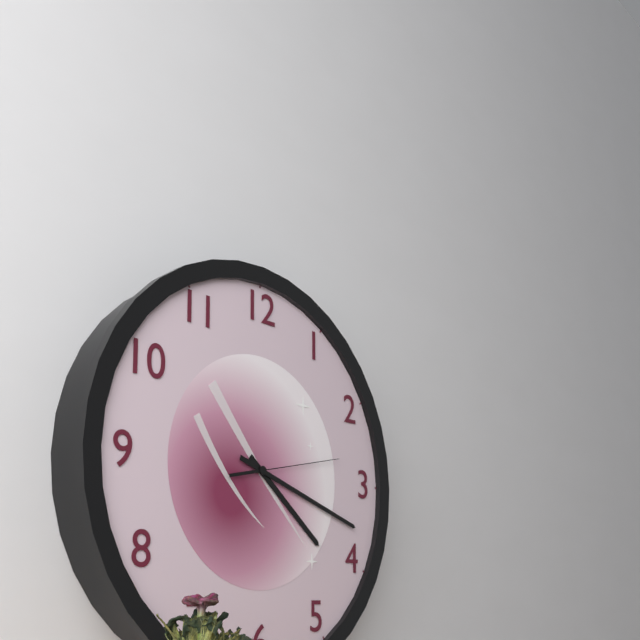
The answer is 4:18:13
